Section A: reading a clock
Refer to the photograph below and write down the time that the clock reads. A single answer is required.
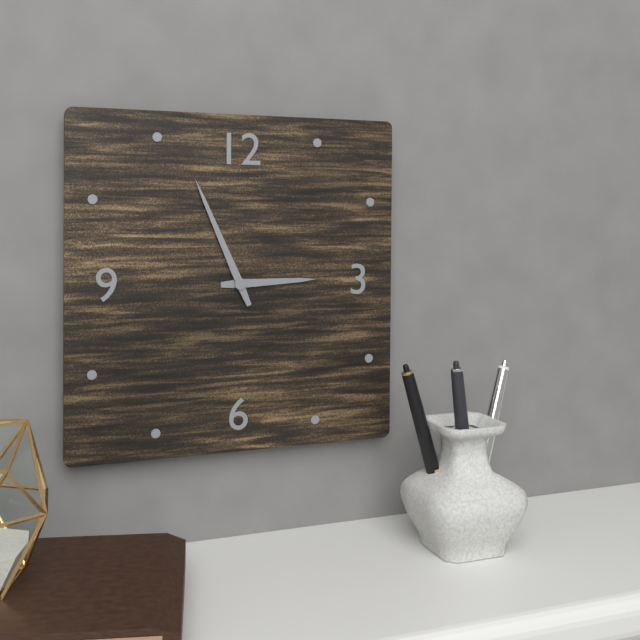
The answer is 2:56
